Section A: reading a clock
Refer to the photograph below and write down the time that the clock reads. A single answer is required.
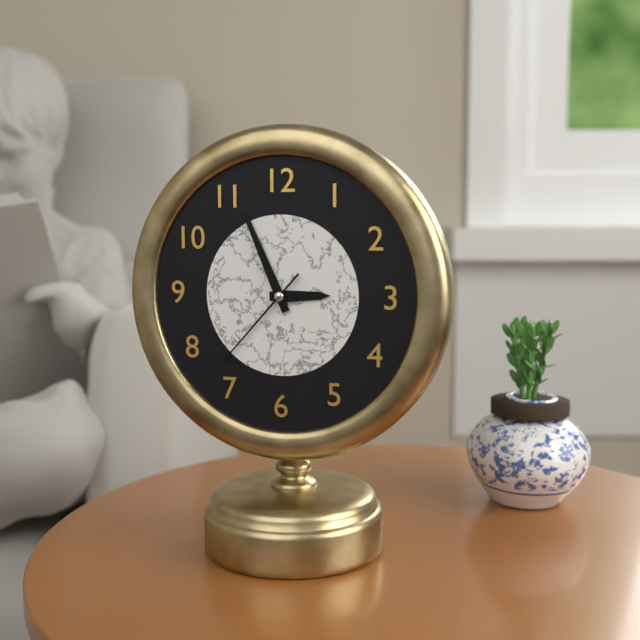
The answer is 2:56:37
